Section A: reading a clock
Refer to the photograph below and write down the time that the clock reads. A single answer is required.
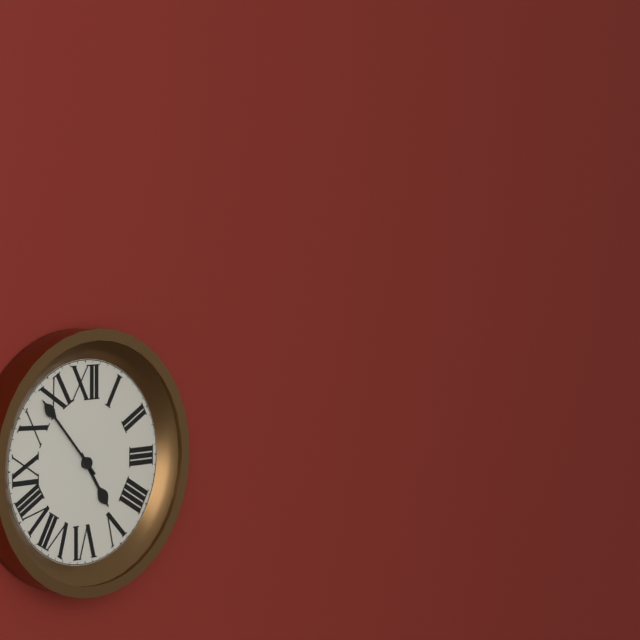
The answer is 4:53
